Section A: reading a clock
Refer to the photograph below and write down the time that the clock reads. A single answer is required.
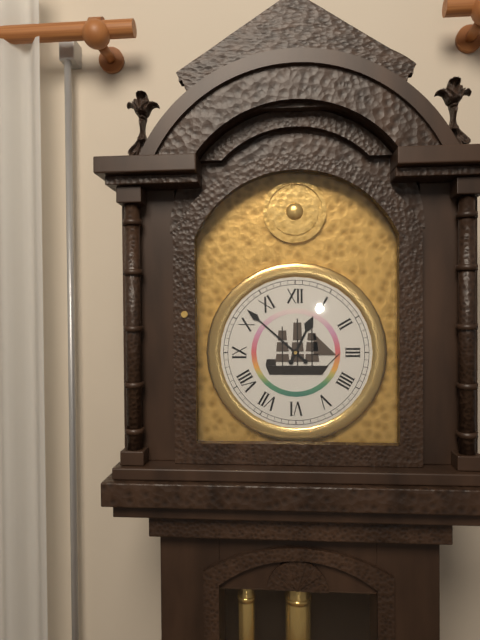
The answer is 12:52
